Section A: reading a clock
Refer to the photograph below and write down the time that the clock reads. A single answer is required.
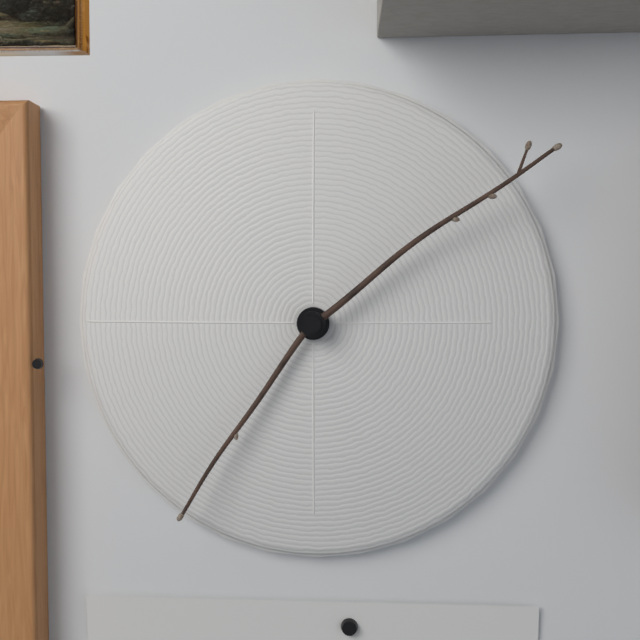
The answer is 7:09
